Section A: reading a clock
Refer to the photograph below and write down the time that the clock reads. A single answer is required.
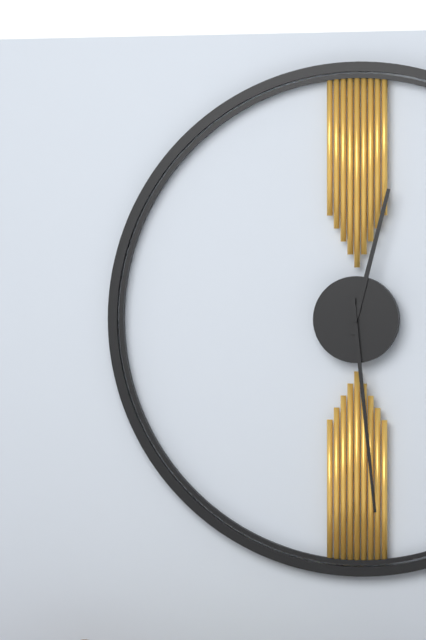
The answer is 12:29
